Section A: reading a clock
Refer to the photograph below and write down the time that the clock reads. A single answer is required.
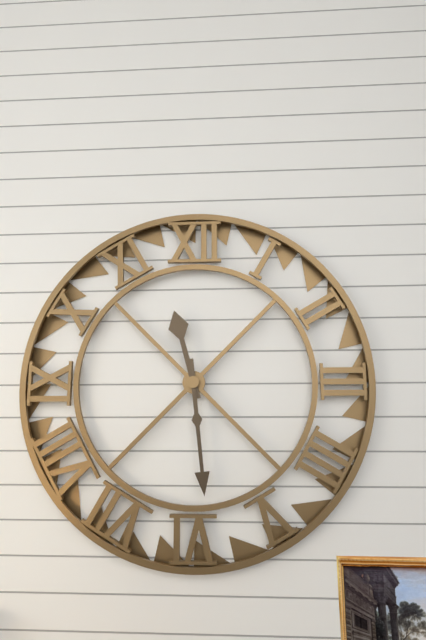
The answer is 11:29
